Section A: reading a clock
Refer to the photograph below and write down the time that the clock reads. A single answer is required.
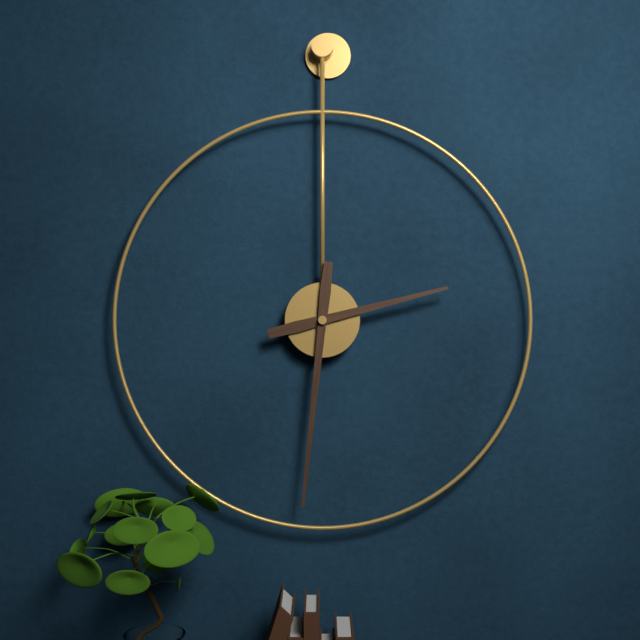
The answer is 2:31
